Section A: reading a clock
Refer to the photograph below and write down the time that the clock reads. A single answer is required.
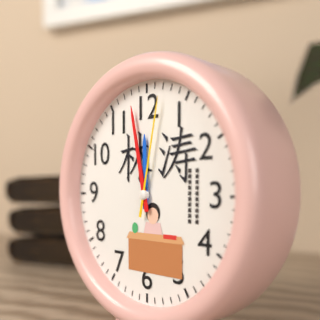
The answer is 11:58:02
